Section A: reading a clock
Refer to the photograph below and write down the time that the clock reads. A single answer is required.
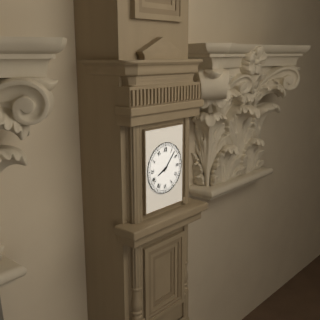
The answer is 8:07
